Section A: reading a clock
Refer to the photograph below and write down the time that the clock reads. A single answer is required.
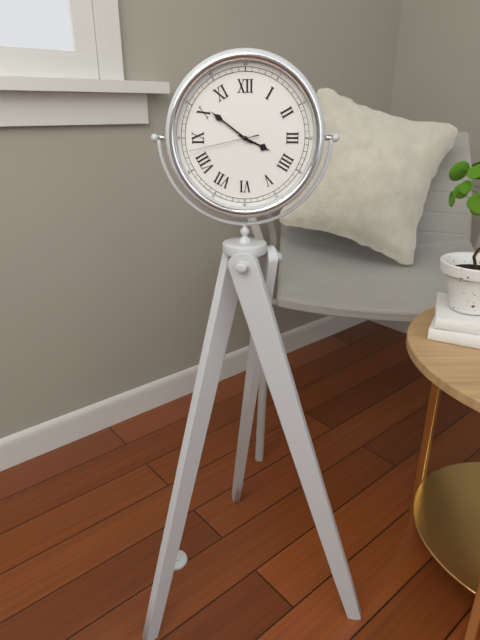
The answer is 3:51:43
